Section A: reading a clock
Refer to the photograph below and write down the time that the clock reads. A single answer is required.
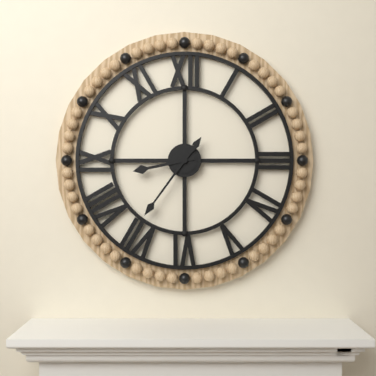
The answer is 8:36
